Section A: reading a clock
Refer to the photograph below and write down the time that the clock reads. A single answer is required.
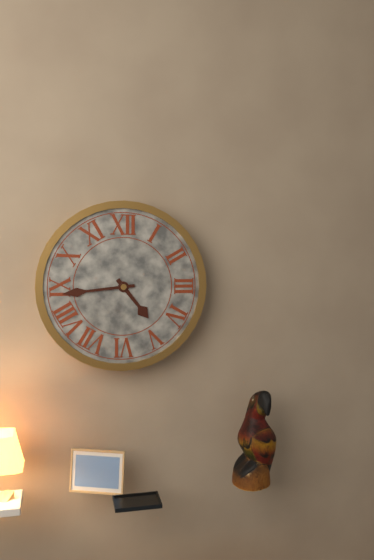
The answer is 4:44
